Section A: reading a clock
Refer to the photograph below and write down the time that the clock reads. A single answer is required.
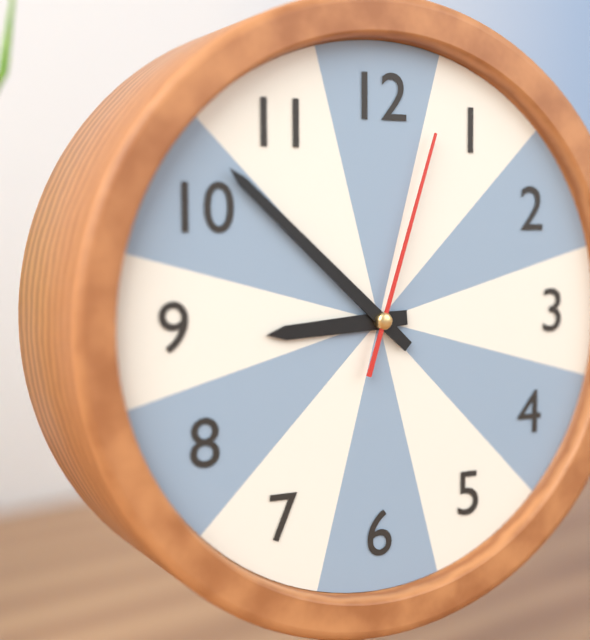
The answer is 8:52:03
